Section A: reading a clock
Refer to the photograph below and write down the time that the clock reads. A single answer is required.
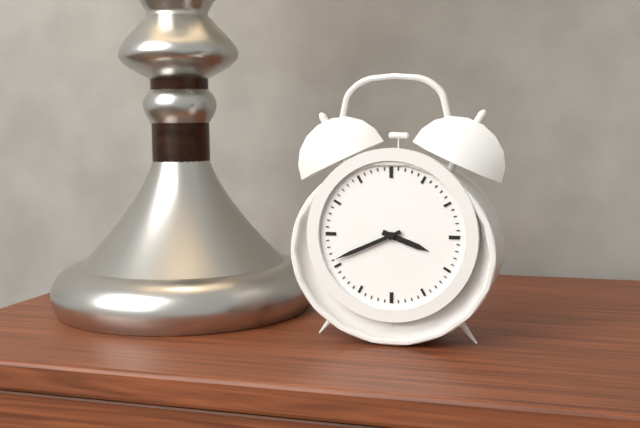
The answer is 3:41
